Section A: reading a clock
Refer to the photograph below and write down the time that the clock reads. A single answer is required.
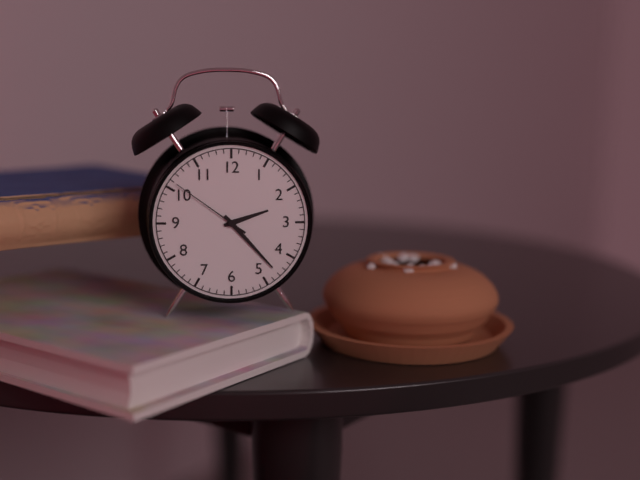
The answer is 2:23:51
